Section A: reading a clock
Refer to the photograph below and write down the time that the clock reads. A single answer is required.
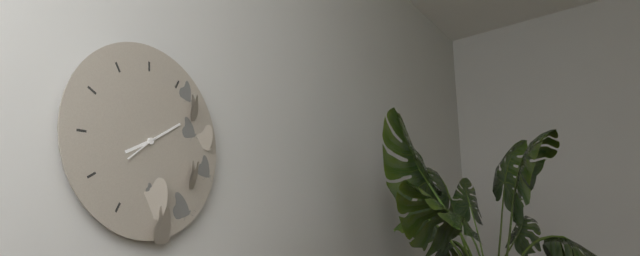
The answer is 8:10
